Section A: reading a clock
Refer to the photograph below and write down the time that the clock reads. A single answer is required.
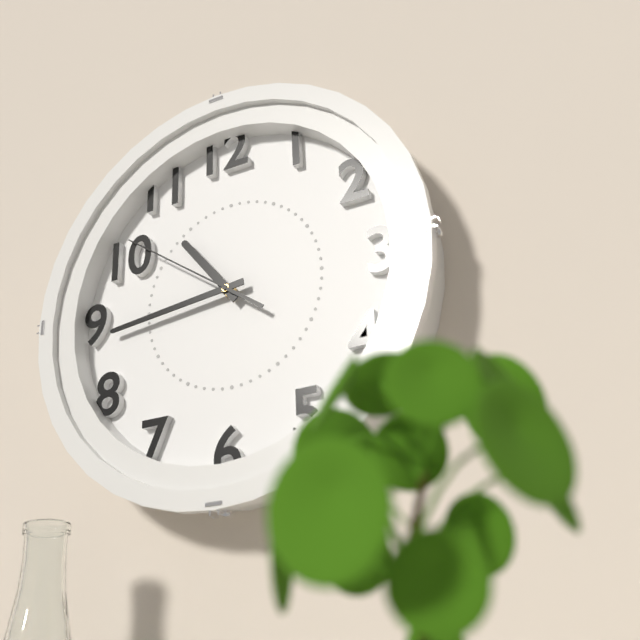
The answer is 10:44:51
